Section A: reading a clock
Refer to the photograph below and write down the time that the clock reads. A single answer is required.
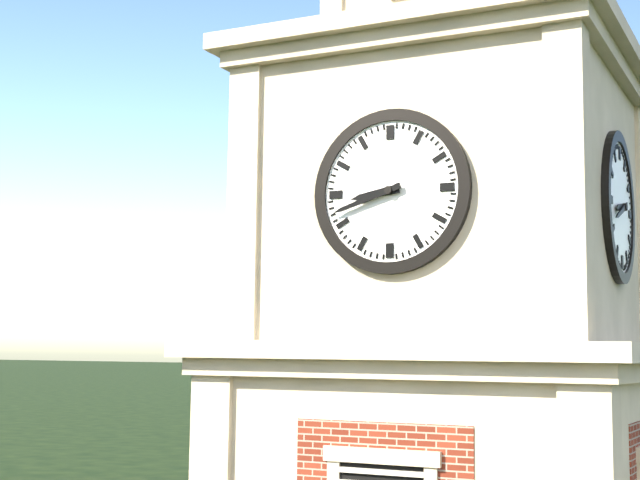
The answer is 8:42
